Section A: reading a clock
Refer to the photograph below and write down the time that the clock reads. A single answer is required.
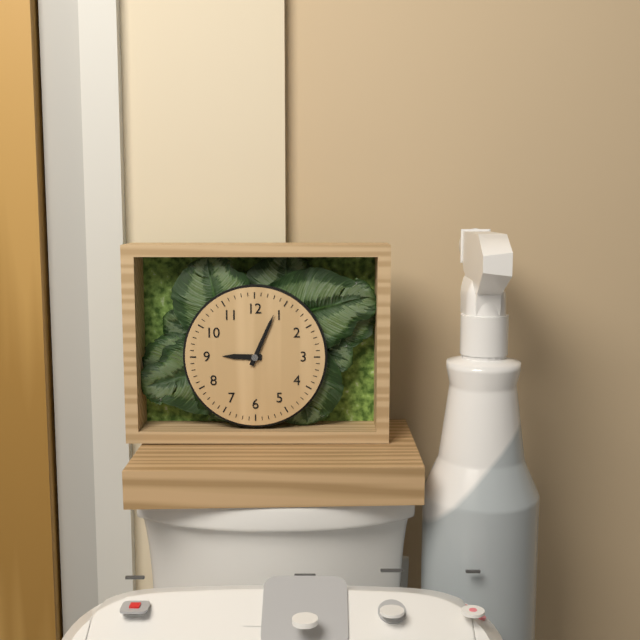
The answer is 9:04
